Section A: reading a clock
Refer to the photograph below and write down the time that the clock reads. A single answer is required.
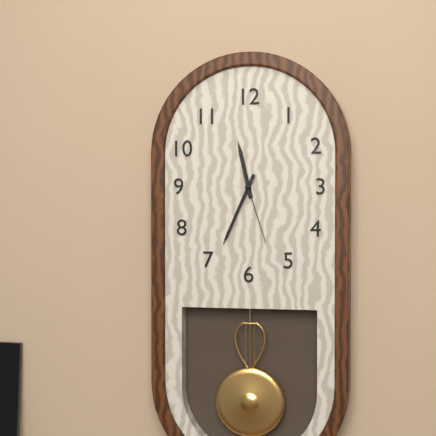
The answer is 11:34:27
